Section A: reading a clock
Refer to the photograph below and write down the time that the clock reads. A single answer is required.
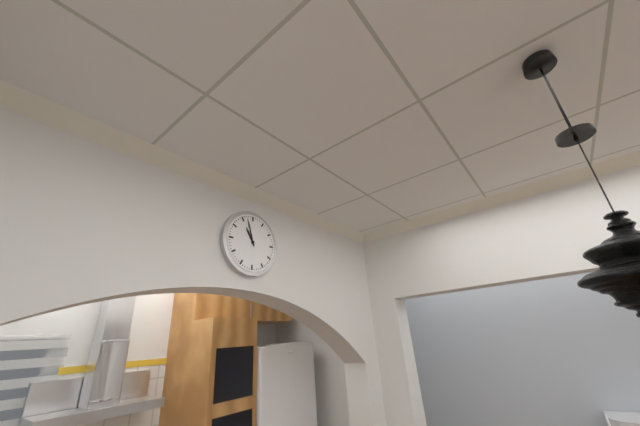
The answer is 10:57
